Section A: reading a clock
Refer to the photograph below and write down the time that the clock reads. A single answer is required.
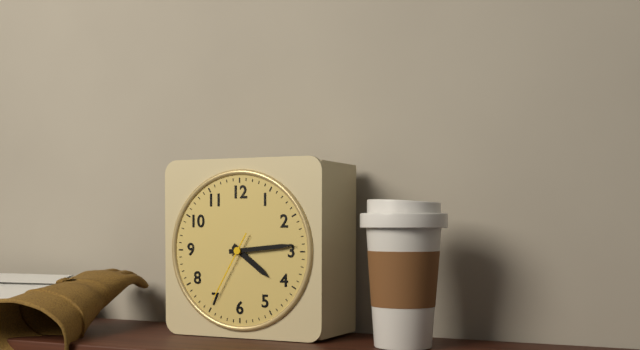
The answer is 4:14:35
